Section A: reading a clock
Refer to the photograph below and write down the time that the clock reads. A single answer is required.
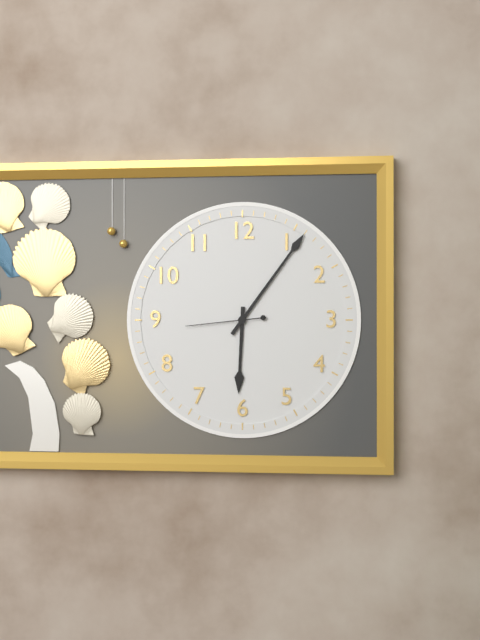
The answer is 6:06:44
